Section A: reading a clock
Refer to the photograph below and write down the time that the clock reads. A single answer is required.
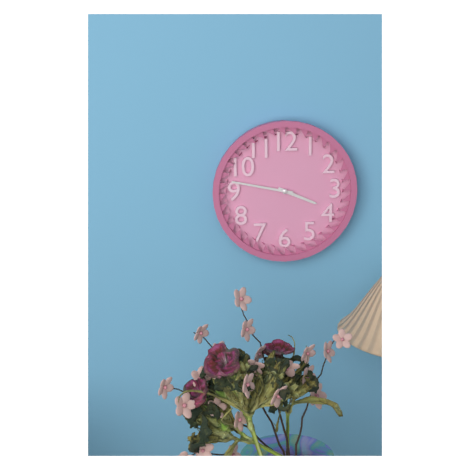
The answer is 3:47
